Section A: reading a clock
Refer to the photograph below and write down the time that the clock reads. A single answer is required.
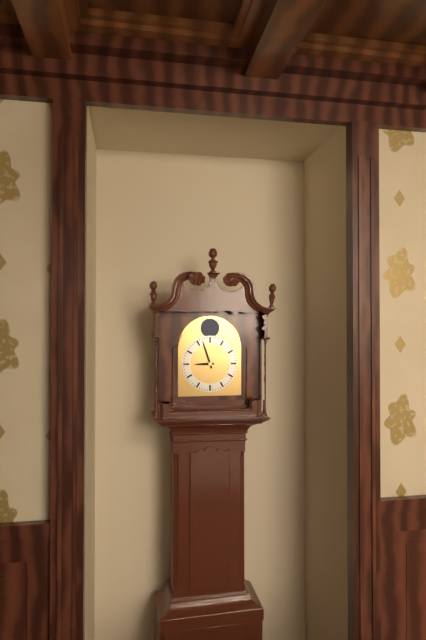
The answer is 8:57
